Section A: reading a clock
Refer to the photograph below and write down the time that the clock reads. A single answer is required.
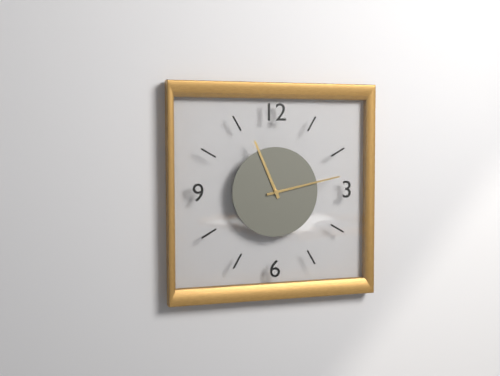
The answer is 11:13
